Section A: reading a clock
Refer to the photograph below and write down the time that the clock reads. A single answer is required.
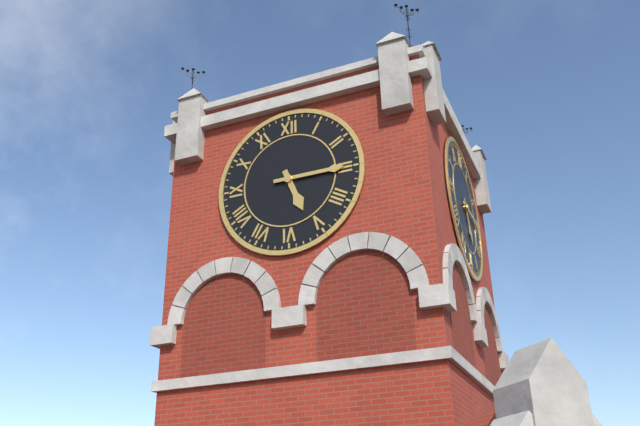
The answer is 5:15
